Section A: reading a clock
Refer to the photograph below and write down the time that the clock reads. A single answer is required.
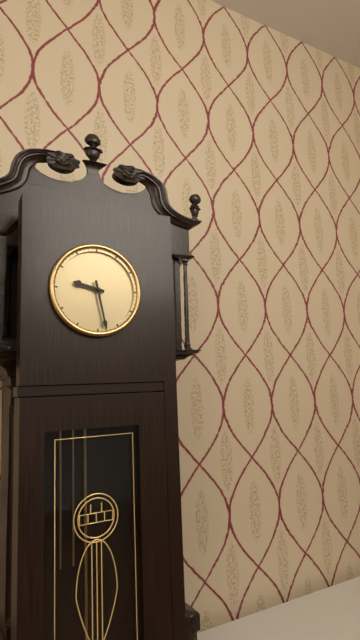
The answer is 9:28
